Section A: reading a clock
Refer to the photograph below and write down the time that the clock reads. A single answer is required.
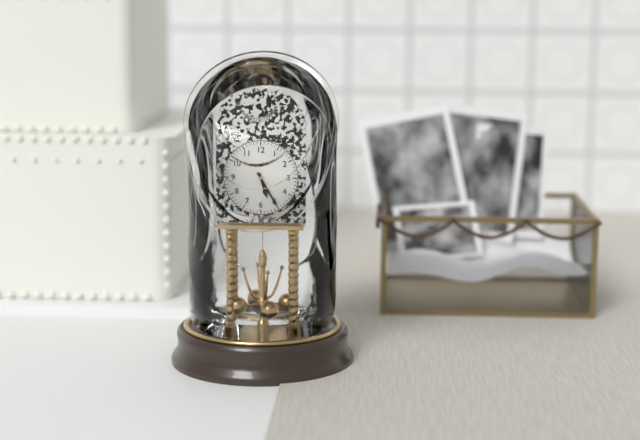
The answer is 5:25
